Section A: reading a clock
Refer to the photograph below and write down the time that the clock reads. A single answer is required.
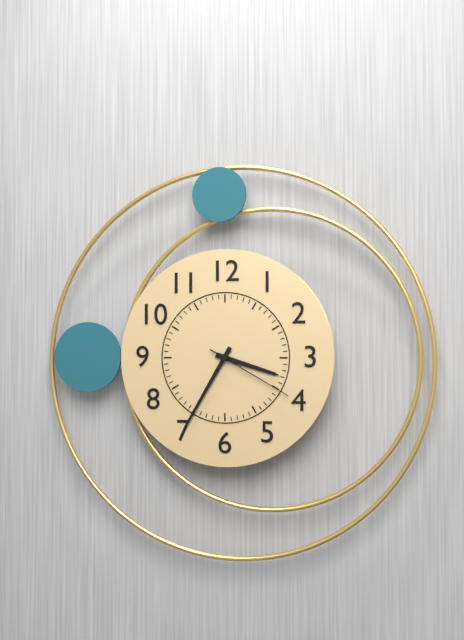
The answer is 3:35:20
